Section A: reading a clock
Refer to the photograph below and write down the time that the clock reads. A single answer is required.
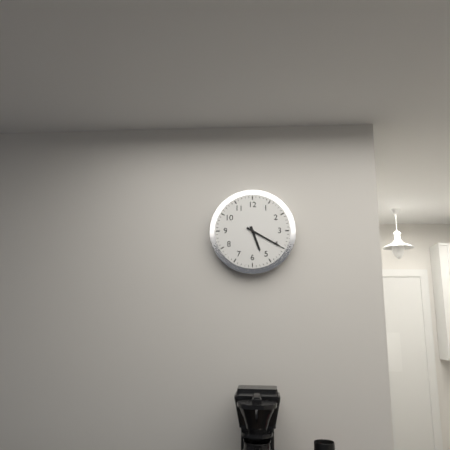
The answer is 5:20
